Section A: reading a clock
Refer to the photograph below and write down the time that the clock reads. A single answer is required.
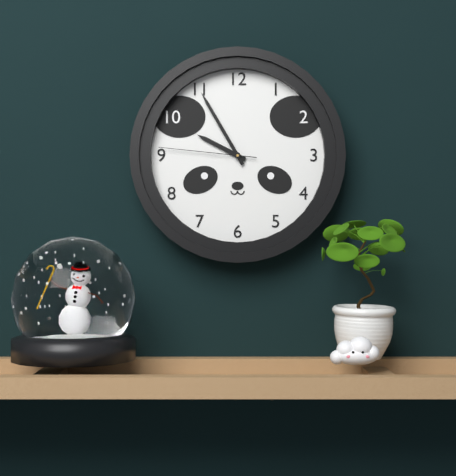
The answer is 9:55:46
